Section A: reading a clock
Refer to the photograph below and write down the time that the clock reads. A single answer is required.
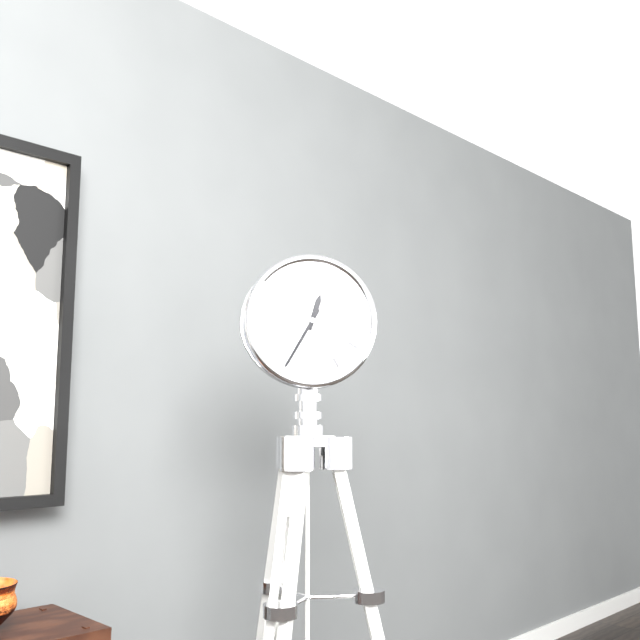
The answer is 12:35
